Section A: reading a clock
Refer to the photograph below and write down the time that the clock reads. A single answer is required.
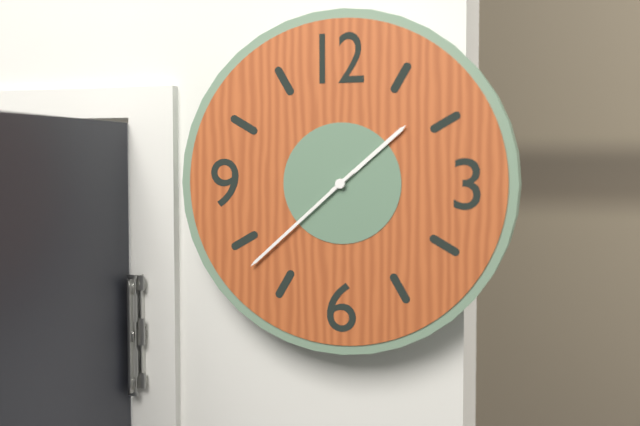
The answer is 1:38
